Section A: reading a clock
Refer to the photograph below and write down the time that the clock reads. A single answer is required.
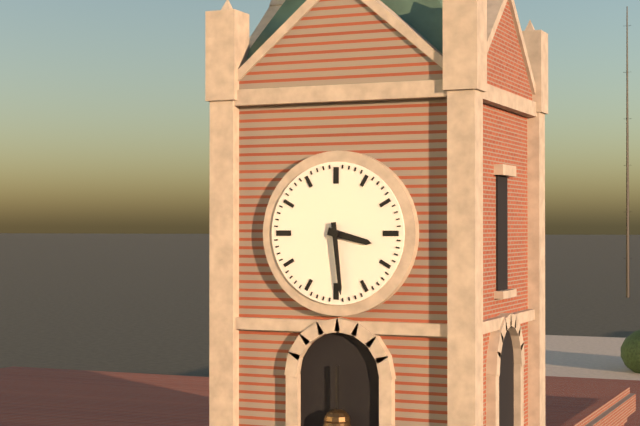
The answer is 3:29
